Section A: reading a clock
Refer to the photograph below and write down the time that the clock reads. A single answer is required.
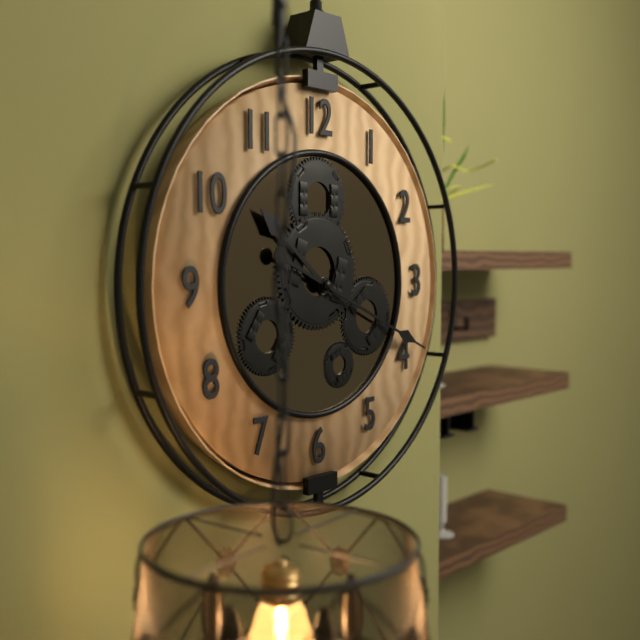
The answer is 10:19
